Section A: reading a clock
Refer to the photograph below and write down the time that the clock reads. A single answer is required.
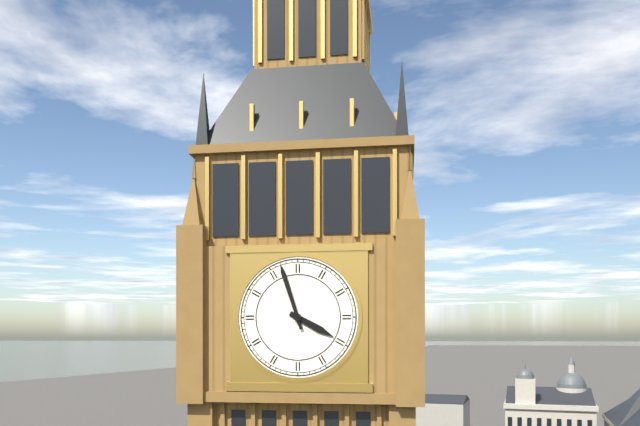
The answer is 3:57
